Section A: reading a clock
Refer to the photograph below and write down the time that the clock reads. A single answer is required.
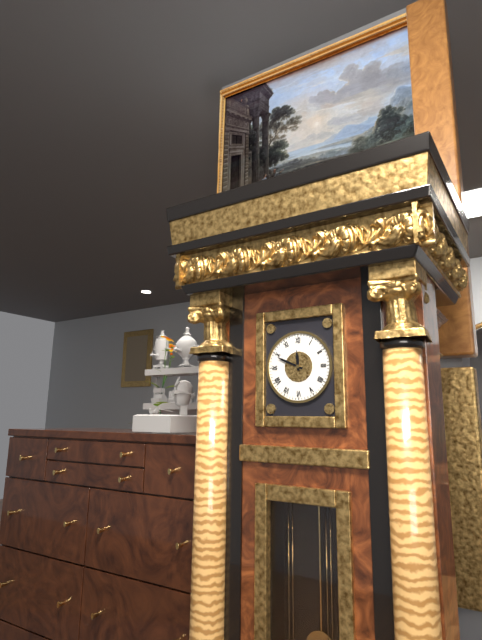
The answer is 11:49
